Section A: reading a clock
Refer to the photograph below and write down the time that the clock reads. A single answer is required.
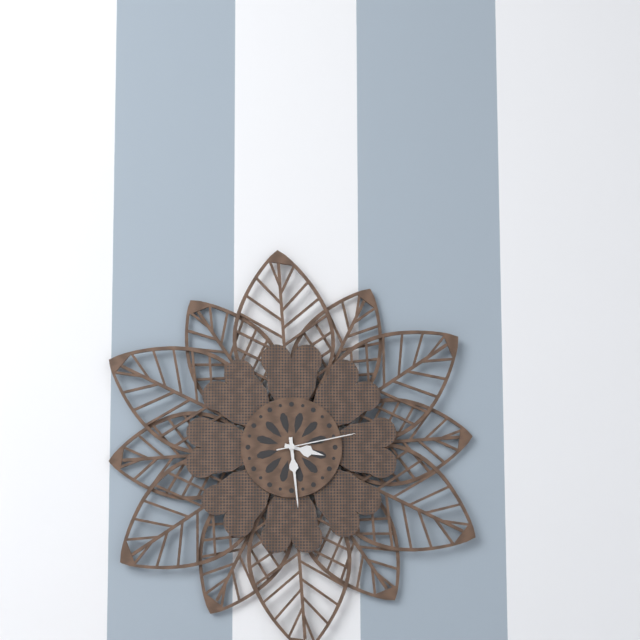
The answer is 3:29:13
